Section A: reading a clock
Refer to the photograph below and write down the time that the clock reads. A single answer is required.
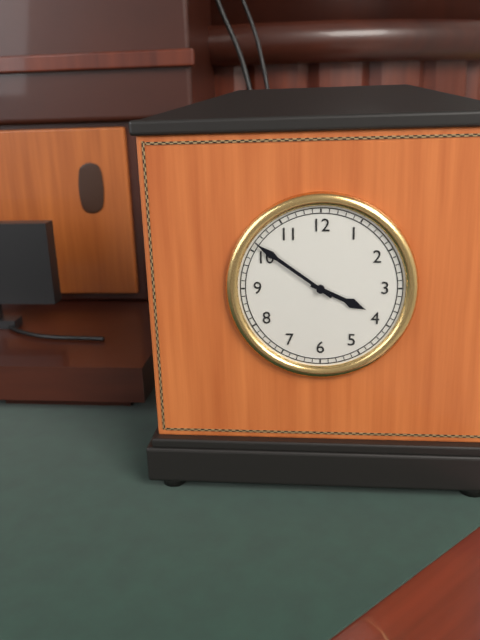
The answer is 3:51
